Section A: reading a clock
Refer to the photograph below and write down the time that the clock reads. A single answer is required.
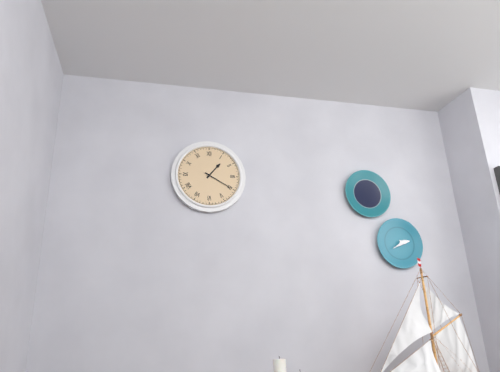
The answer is 1:20
